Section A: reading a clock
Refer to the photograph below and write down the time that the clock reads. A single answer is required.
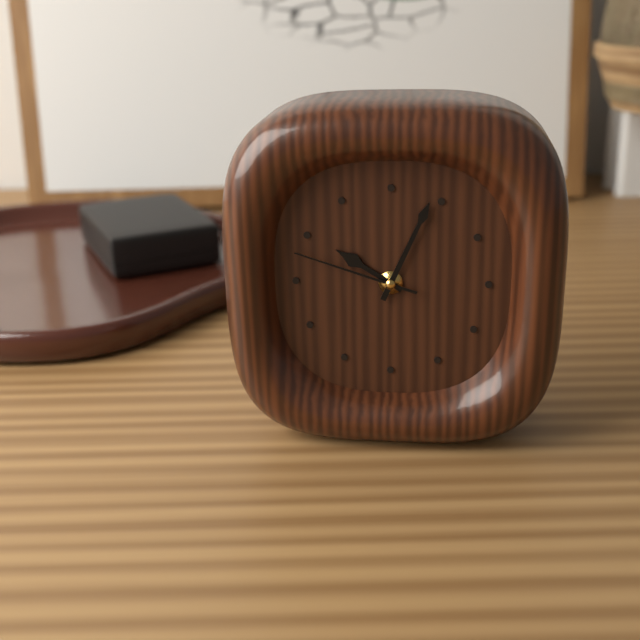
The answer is 10:04:48
